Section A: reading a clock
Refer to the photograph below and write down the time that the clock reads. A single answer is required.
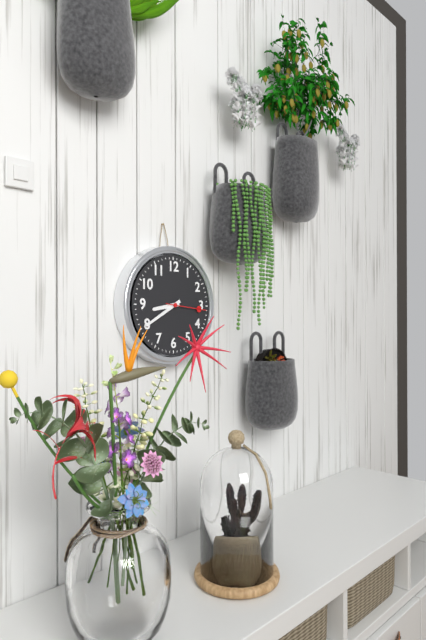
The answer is 8:40:16
